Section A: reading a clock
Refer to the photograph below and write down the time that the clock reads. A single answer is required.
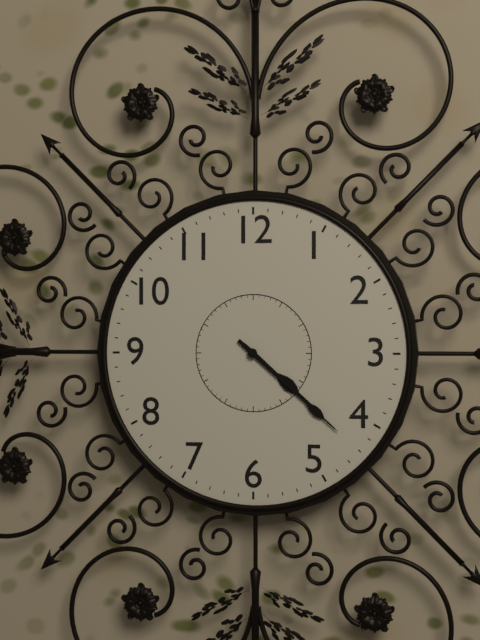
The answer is 4:22
